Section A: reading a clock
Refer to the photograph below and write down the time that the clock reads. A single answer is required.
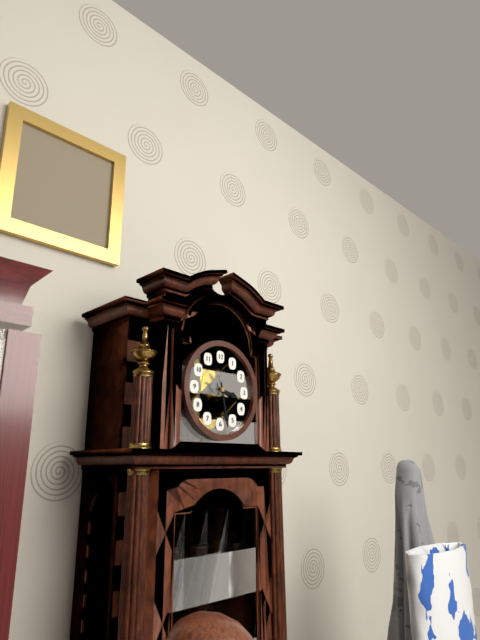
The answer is 3:28
